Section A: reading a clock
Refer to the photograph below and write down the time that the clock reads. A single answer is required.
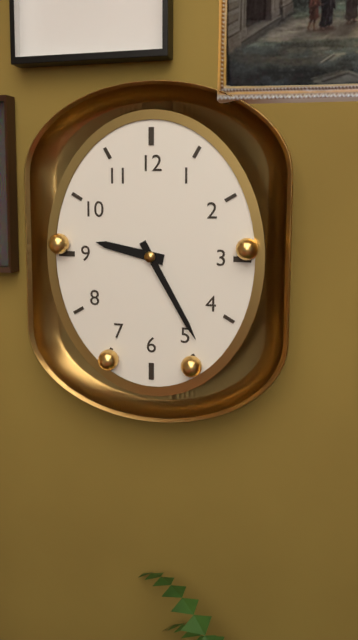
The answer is 9:25
